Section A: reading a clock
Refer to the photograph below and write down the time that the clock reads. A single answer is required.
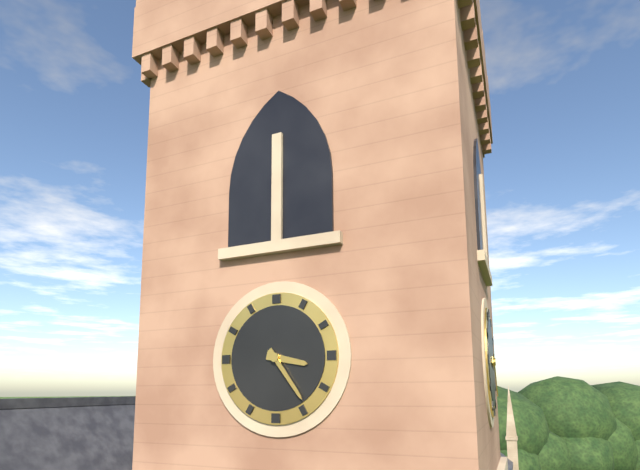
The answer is 3:24
